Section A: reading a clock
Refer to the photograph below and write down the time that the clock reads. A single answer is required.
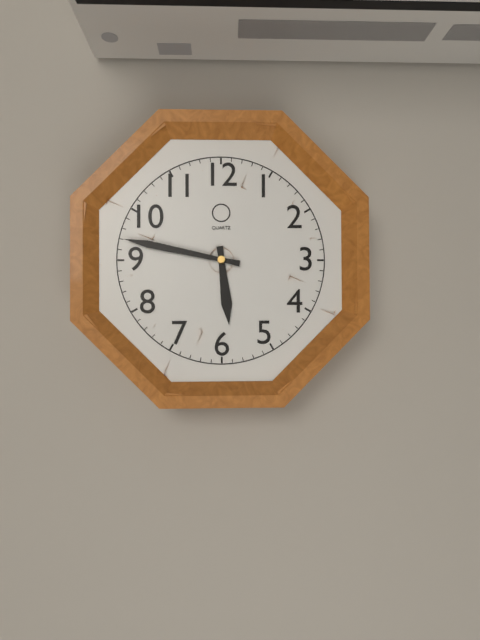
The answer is 5:47
